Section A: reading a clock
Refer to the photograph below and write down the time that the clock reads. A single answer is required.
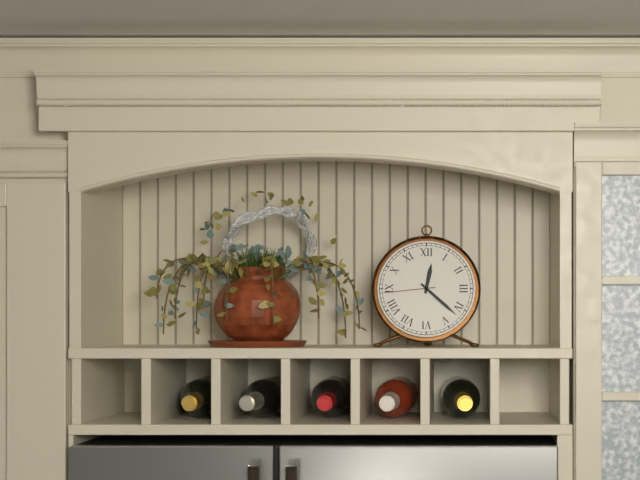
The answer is 12:22:44
